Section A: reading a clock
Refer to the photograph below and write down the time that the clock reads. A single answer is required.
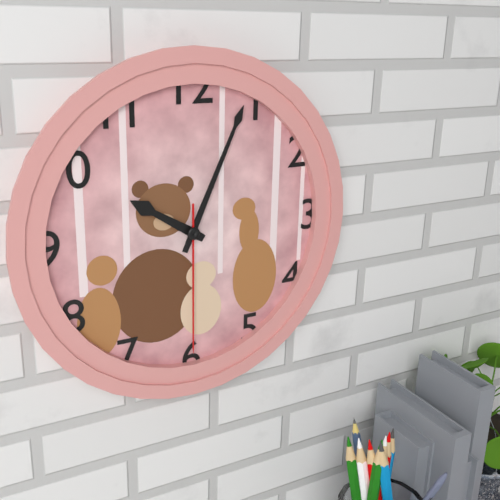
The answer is 10:04:30
